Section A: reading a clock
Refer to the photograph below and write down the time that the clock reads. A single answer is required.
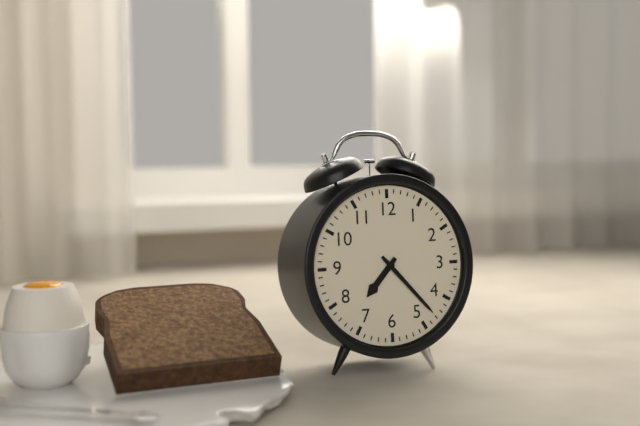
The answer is 7:23
